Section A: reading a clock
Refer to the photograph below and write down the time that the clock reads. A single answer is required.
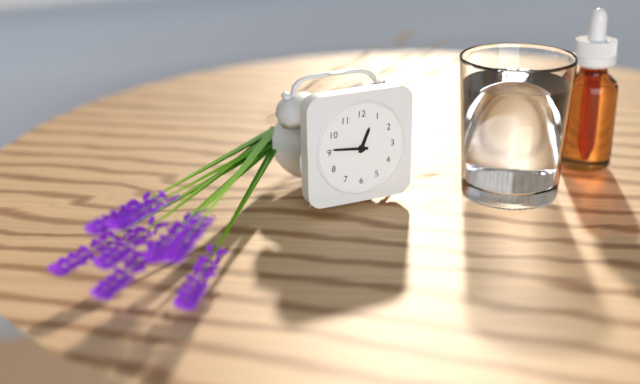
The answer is 12:46
